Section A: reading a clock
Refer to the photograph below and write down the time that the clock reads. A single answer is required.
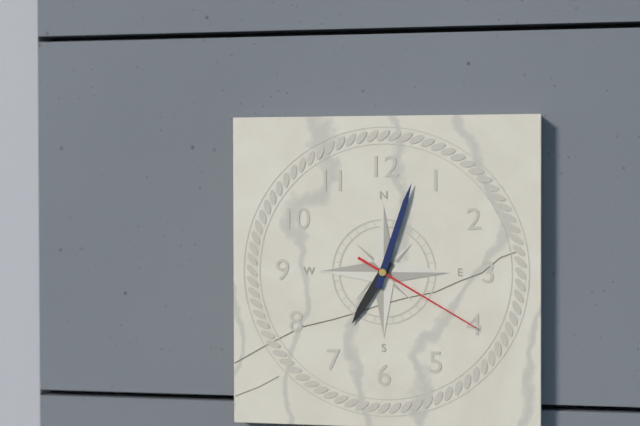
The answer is 7:03:20
